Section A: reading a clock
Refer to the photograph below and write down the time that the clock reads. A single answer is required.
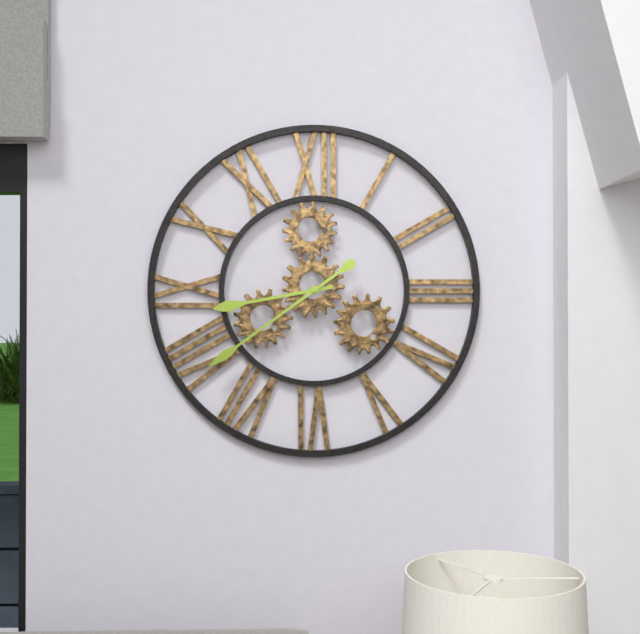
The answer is 8:39
